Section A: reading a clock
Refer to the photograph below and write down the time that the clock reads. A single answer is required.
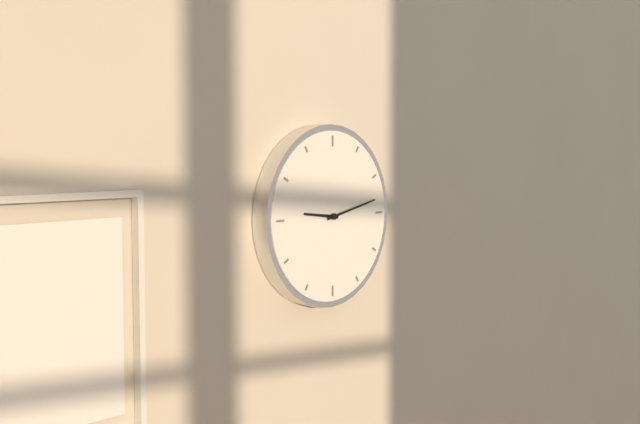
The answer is 9:13
